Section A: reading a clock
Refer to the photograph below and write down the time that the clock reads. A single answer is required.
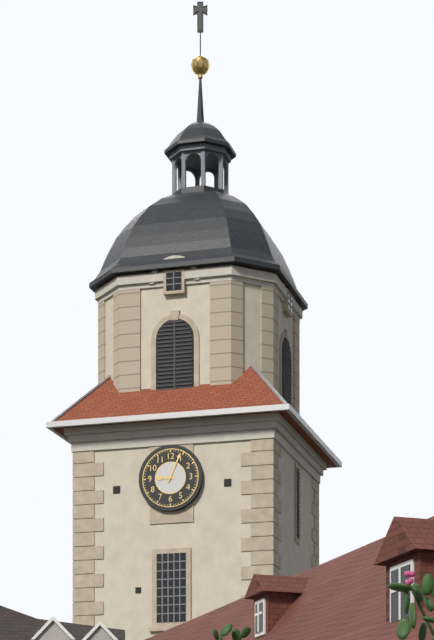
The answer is 9:04
